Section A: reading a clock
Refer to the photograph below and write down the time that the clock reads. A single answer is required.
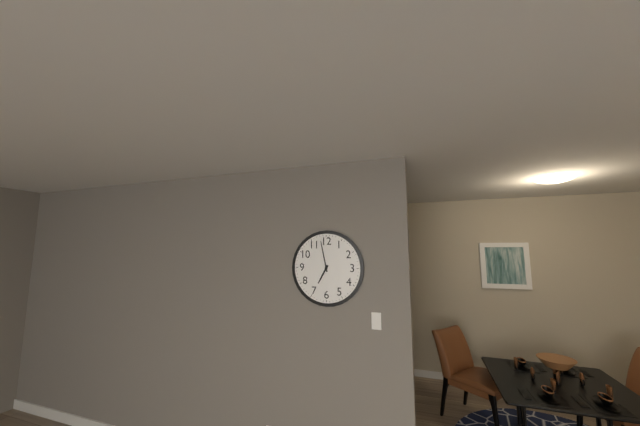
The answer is 6:58
